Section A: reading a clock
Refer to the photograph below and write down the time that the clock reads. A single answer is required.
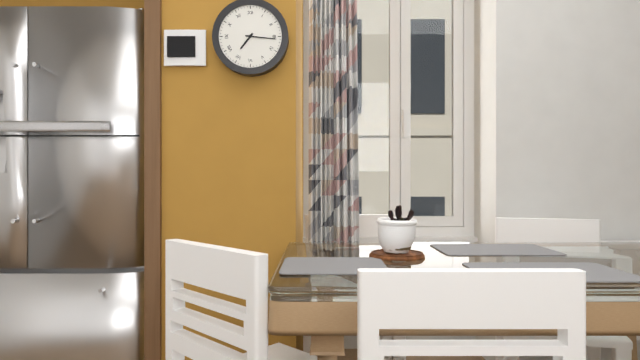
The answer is 7:16
